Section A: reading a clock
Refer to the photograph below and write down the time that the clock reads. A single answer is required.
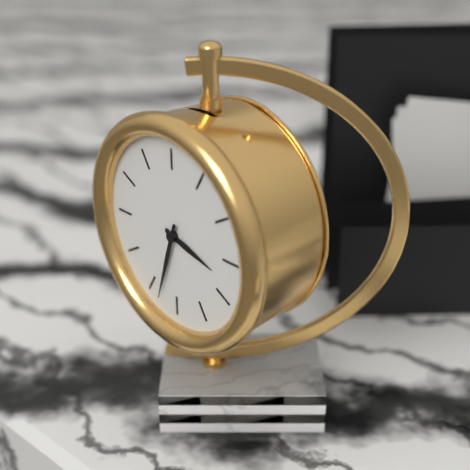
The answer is 3:33
